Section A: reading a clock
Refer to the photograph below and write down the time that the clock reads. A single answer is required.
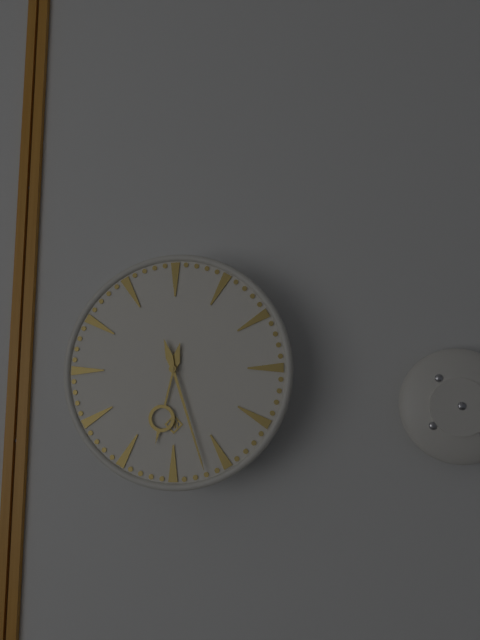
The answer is 6:27
